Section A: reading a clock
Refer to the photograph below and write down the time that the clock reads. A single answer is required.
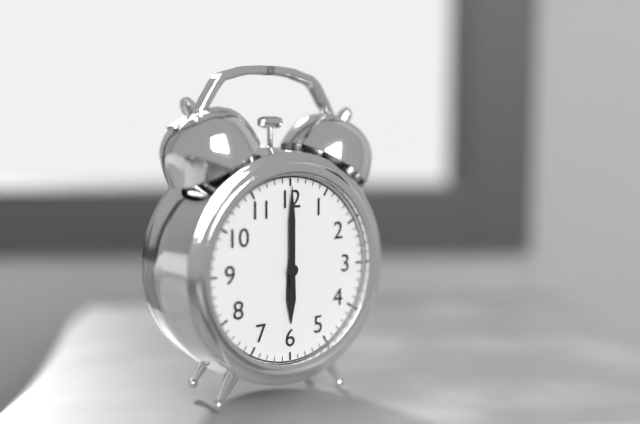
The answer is 6:00
